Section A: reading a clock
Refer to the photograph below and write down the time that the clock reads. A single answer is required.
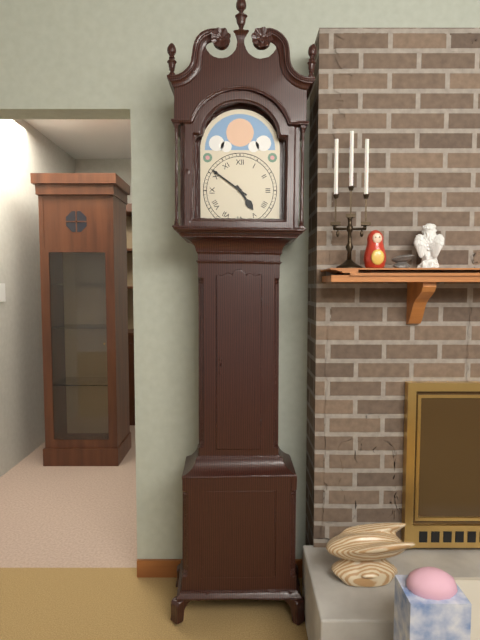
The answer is 4:51
